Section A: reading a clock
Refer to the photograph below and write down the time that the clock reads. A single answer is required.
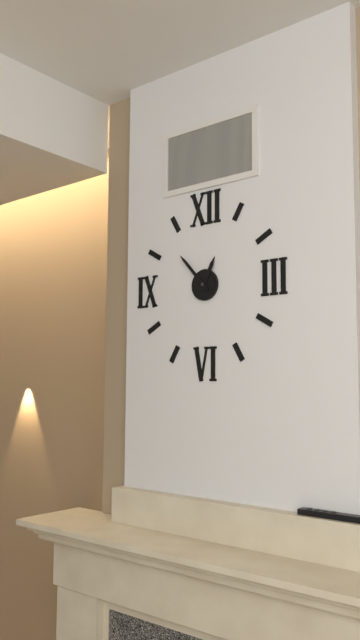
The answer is 12:53
